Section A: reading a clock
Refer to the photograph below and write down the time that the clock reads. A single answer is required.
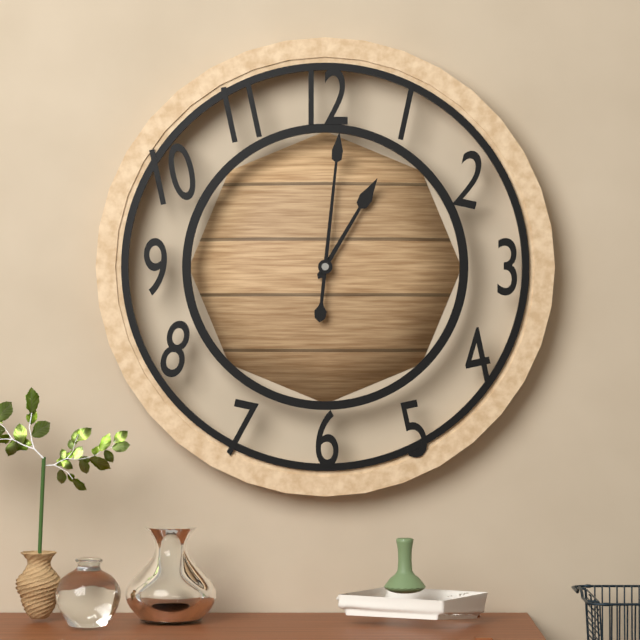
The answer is 1:01
